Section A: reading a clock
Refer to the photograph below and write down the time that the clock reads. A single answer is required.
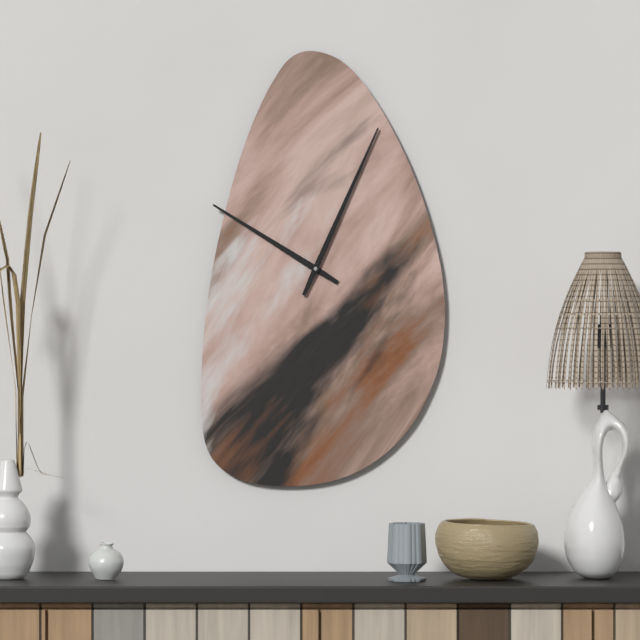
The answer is 10:04
